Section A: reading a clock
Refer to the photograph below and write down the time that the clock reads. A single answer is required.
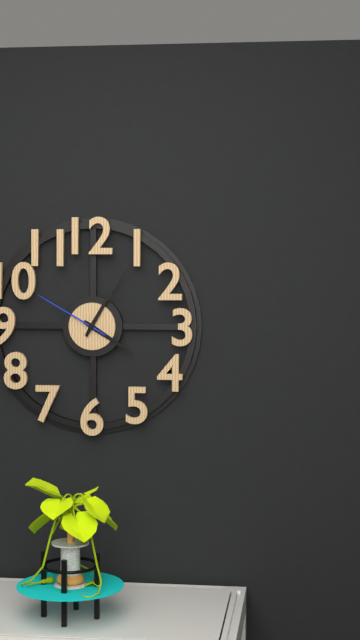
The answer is 4:05:50
